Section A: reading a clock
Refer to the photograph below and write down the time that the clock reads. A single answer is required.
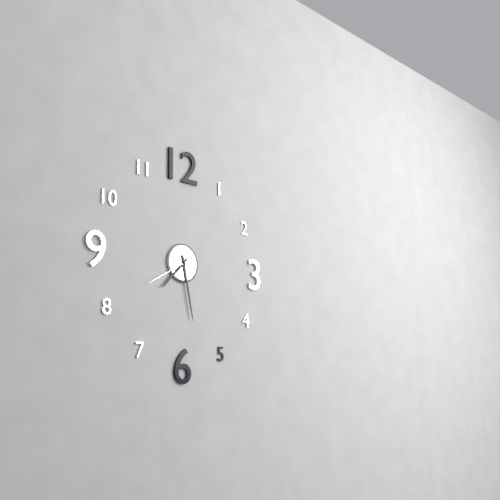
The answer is 7:28:40
